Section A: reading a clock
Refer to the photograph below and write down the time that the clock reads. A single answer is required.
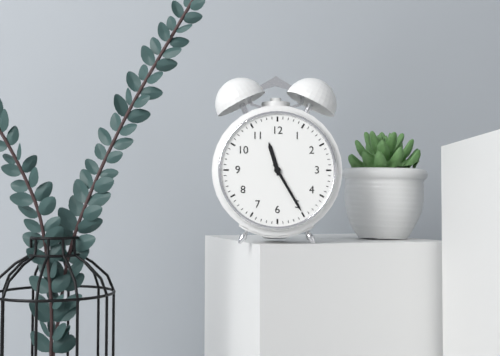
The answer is 11:25
